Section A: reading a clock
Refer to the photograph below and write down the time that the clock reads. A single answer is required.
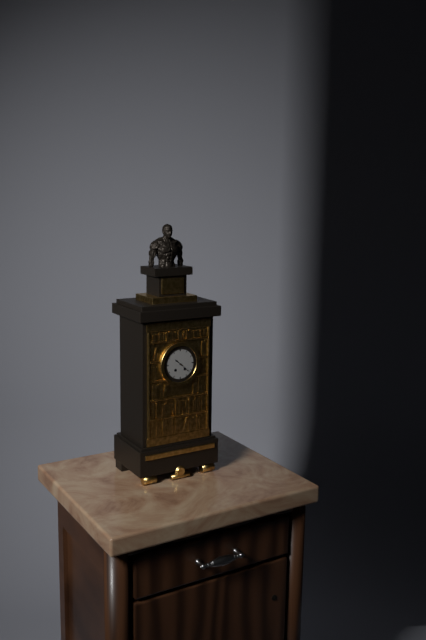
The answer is 10:22
